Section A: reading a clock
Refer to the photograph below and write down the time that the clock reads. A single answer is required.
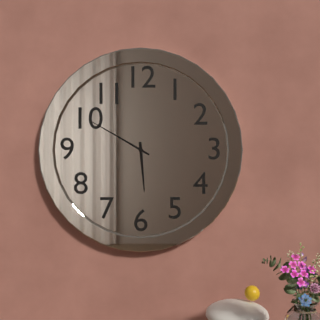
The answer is 5:50
